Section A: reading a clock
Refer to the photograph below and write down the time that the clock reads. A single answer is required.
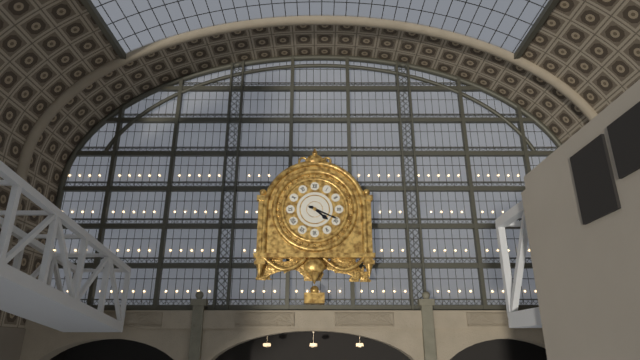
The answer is 4:19
